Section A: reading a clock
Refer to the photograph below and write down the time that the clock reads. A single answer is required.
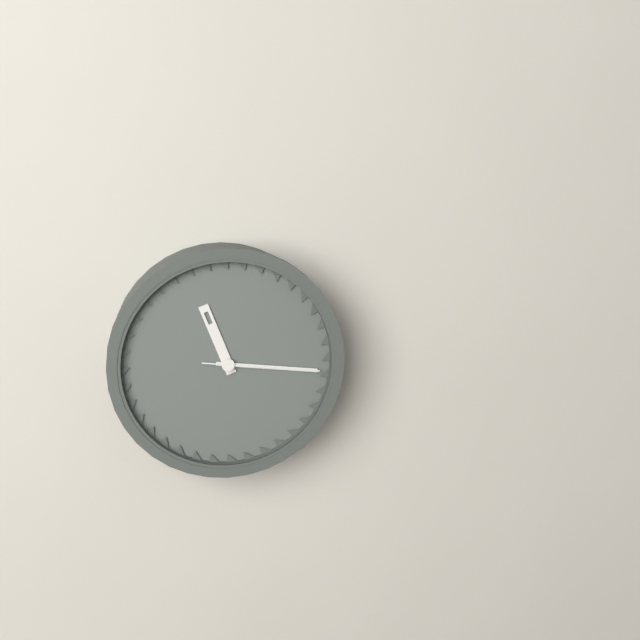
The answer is 11:16:16
